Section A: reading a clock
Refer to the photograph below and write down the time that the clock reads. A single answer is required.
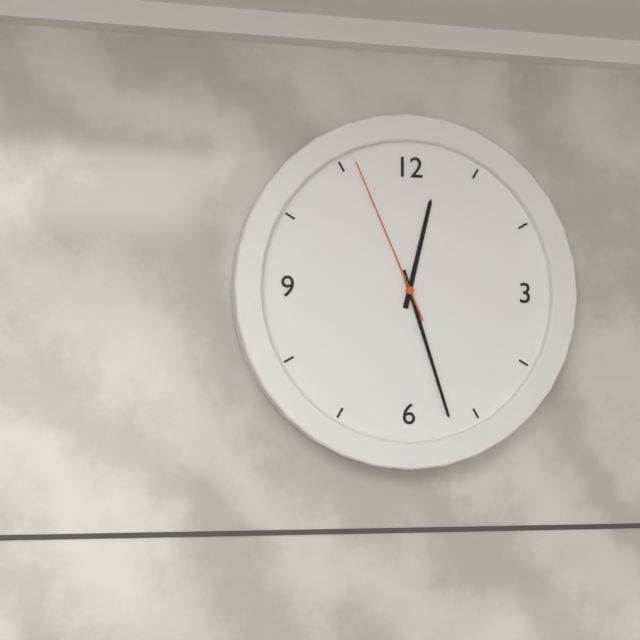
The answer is 12:27:56
